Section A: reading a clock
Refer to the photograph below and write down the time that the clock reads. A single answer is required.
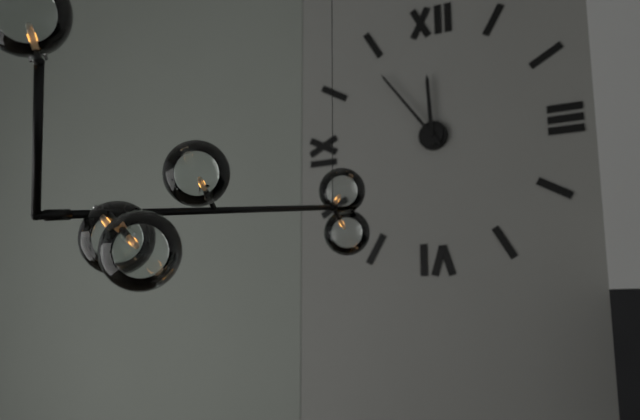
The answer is 11:54
